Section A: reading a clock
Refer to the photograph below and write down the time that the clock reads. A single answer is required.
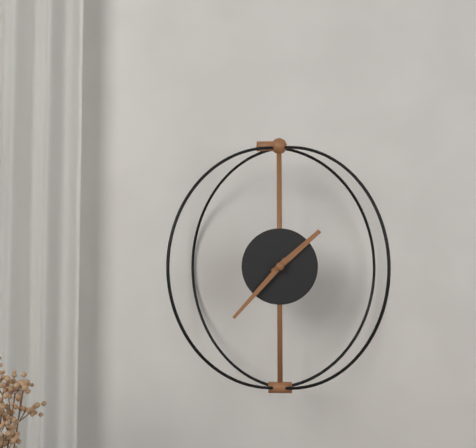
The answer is 1:37
